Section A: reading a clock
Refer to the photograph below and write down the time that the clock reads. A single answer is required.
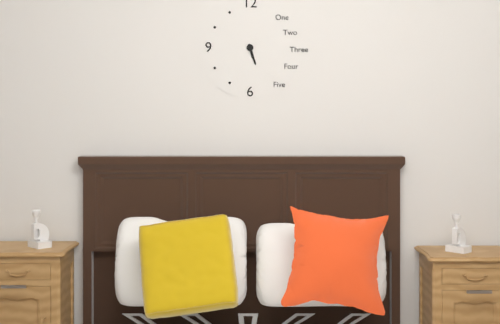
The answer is 5:27
